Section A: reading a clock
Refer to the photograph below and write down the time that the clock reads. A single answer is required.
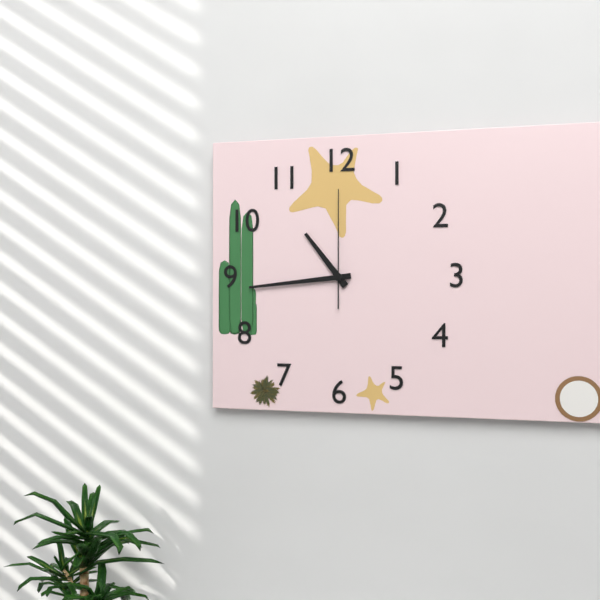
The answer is 10:44:00
